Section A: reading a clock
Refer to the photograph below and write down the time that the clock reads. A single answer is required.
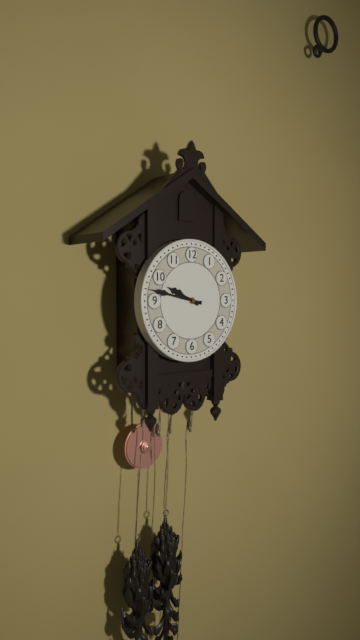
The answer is 9:47
